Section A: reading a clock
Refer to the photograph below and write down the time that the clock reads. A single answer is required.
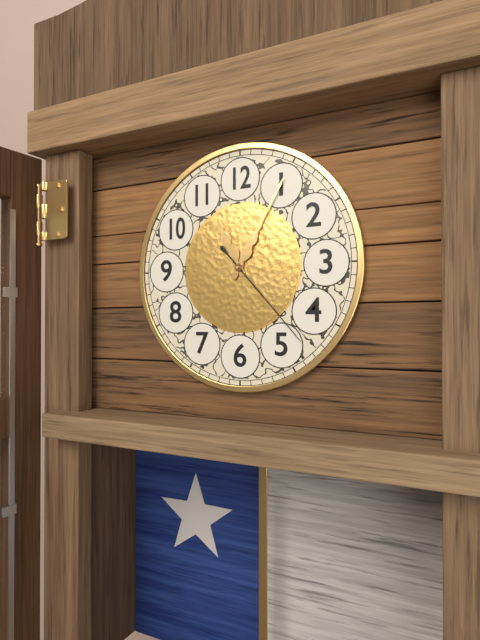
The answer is 11:05:23
